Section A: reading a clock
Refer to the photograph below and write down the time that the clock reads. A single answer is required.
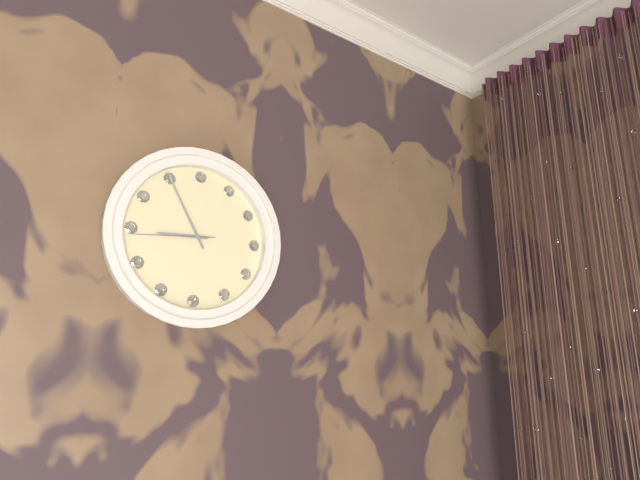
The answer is 8:55:44
